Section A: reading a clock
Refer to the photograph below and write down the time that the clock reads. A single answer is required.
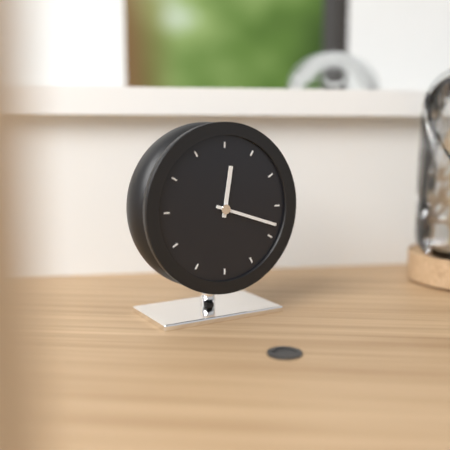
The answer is 12:18
